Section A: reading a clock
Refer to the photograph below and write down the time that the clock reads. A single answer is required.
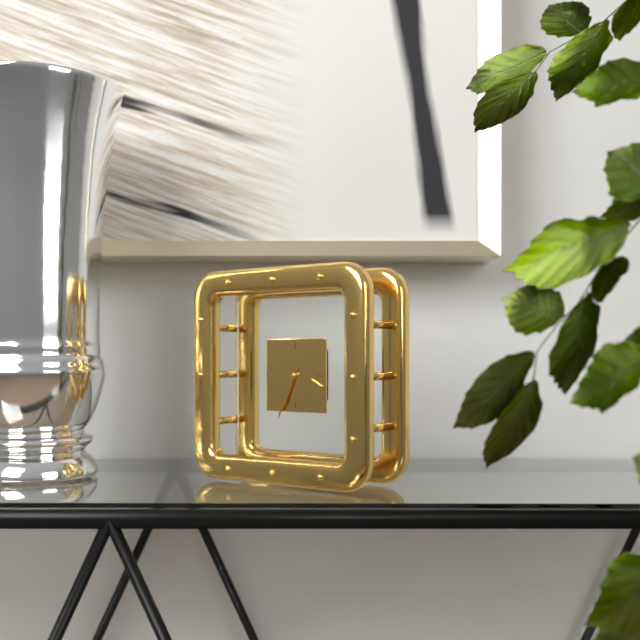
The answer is 3:34
